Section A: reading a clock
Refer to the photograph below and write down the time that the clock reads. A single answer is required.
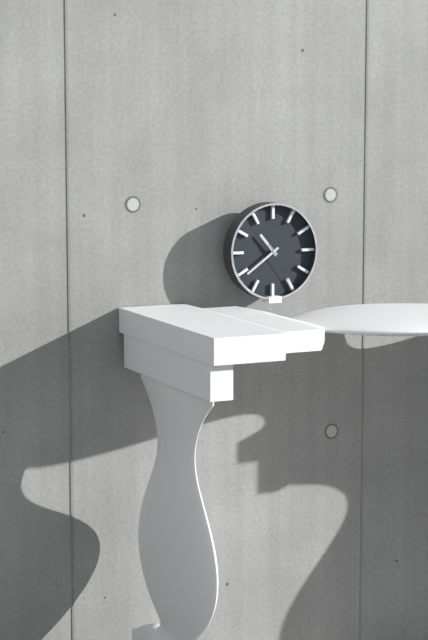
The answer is 10:39
